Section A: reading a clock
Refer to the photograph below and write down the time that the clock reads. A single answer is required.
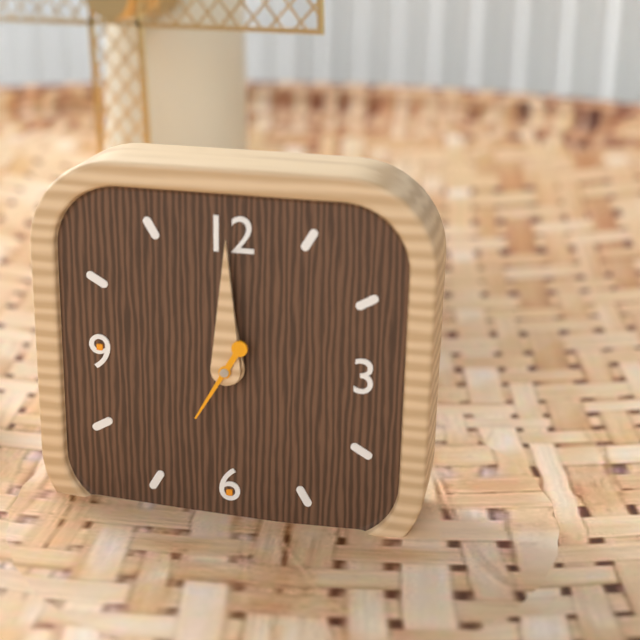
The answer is 12:00:35
